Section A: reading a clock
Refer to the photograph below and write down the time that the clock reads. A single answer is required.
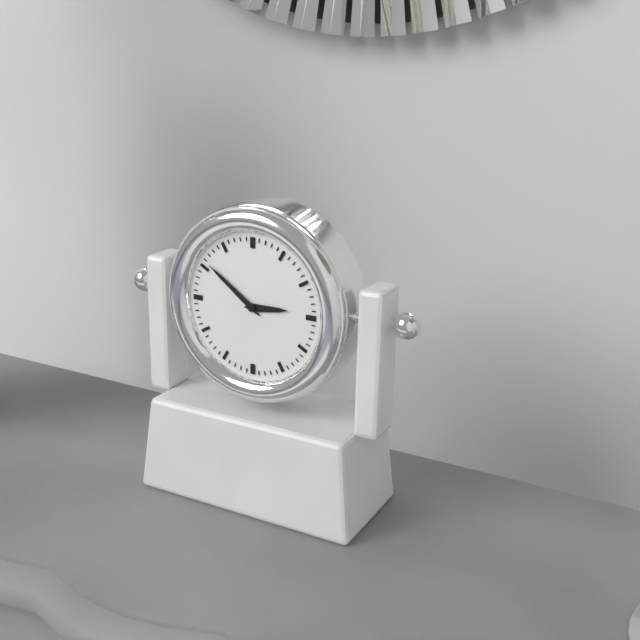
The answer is 2:51
